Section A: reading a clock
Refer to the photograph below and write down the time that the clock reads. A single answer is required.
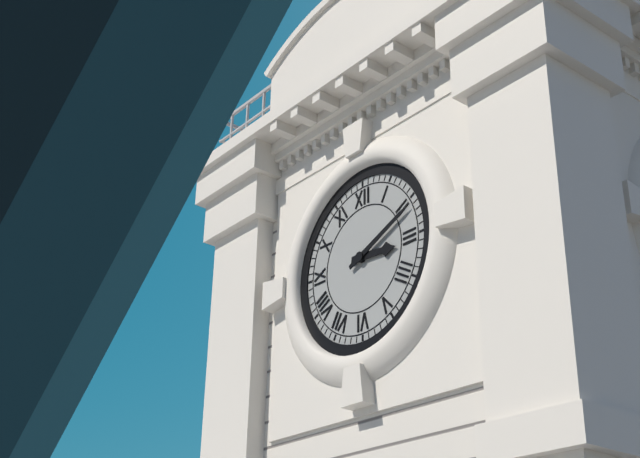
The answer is 3:11
